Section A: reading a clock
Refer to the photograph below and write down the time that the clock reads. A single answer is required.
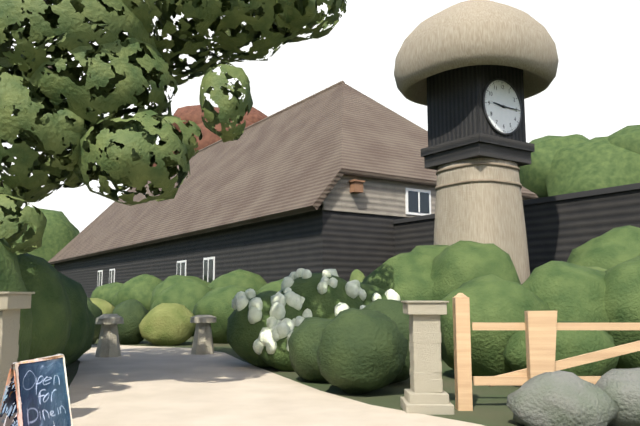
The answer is 9:15
